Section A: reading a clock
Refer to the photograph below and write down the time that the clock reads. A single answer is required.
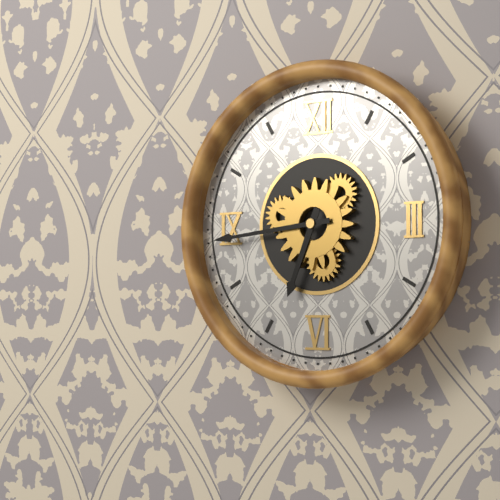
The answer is 6:44
